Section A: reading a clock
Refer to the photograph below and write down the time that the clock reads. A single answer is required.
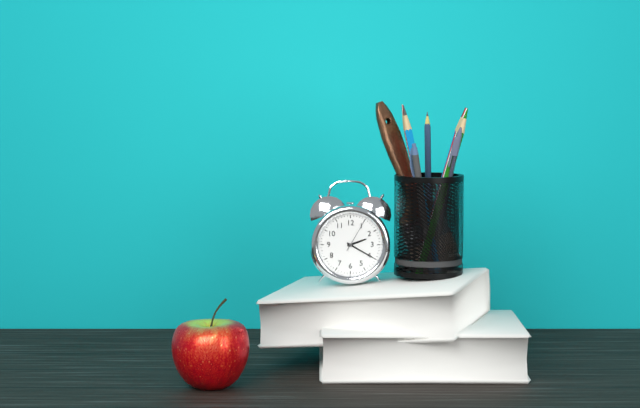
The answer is 2:20
